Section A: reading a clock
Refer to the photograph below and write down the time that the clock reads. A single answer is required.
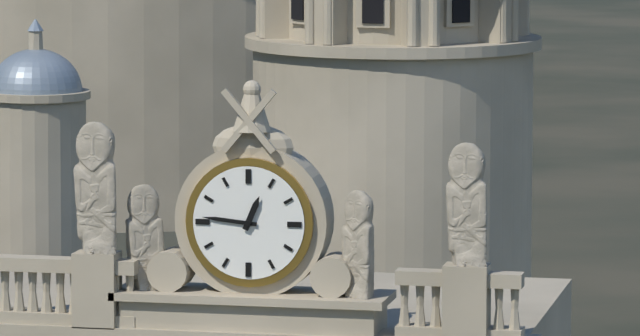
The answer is 12:46
